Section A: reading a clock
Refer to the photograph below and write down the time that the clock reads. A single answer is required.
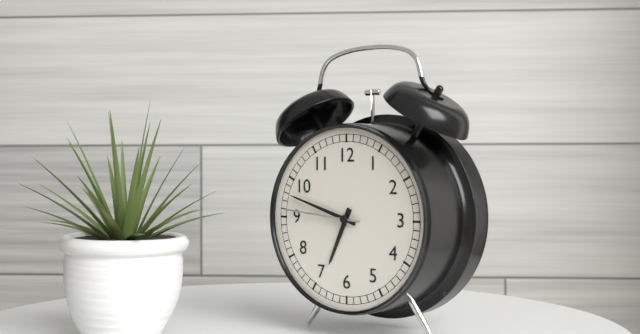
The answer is 6:48:46
